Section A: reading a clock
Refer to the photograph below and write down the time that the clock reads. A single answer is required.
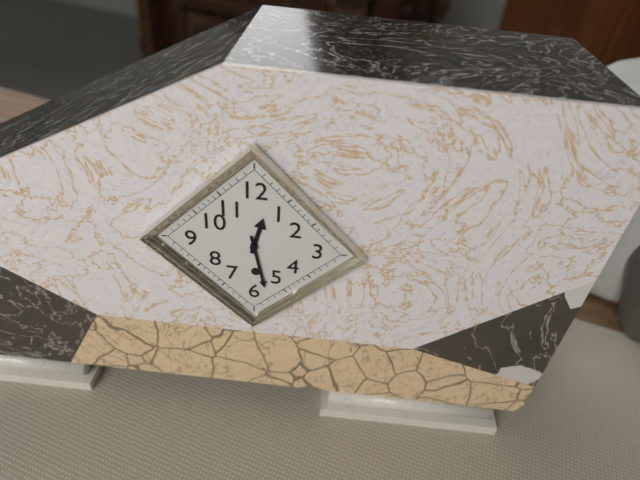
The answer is 12:28
